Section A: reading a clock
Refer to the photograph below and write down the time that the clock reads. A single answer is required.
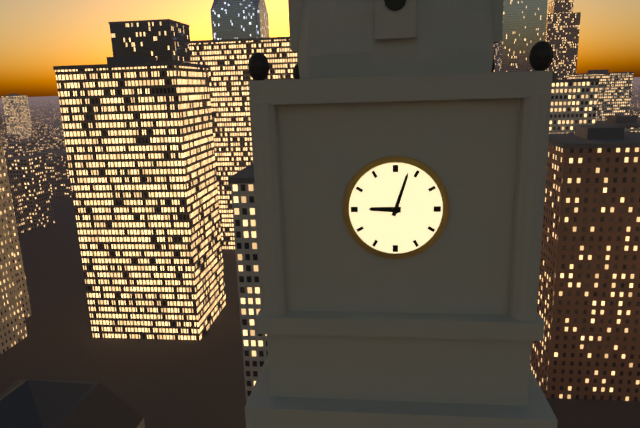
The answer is 9:03
